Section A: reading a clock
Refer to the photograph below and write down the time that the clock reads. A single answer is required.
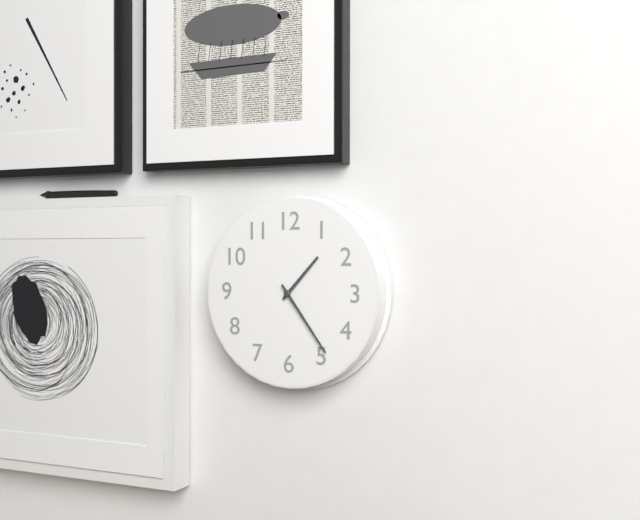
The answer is 1:24
